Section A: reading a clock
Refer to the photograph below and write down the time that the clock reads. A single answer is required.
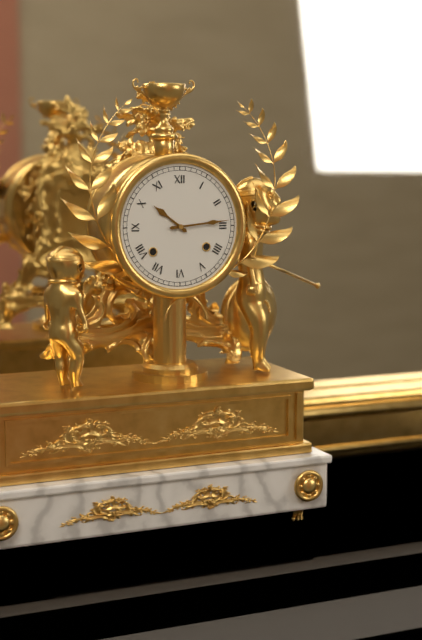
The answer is 10:14
